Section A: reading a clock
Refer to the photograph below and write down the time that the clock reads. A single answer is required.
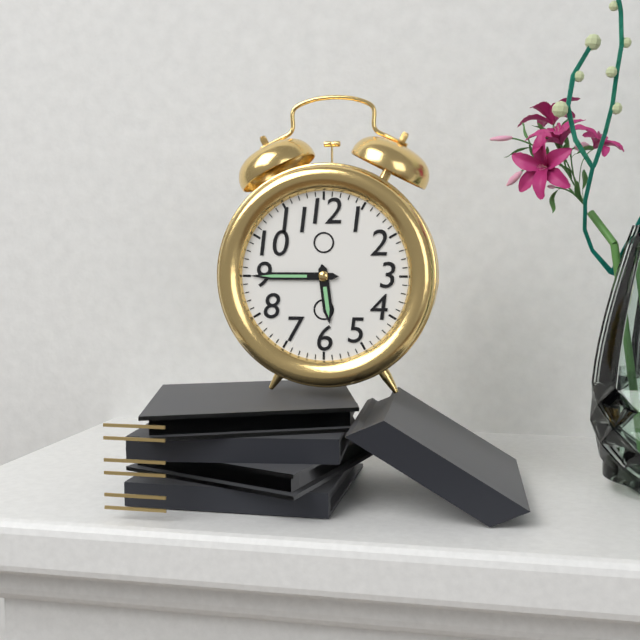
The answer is 5:45
